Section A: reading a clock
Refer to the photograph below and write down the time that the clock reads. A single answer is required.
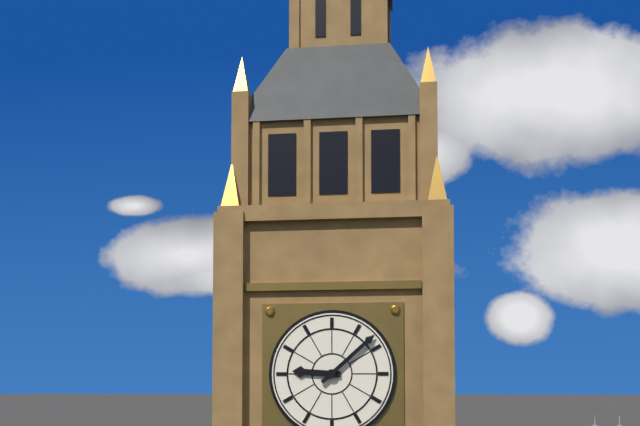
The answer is 9:08
